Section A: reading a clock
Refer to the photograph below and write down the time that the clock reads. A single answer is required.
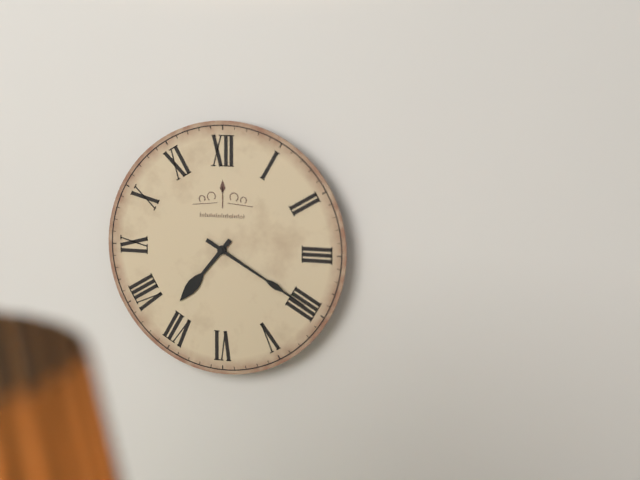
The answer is 7:20
